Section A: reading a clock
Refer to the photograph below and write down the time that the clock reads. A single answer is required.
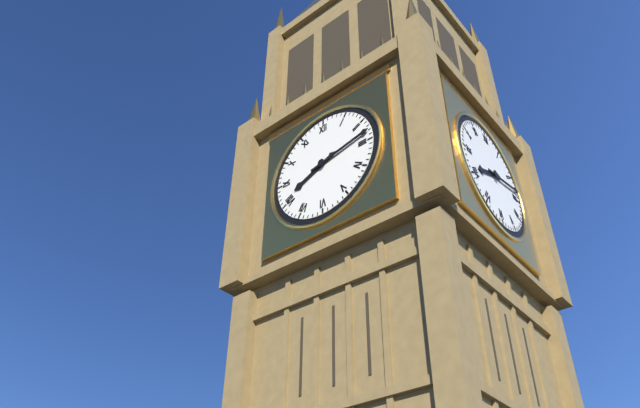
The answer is 8:13
